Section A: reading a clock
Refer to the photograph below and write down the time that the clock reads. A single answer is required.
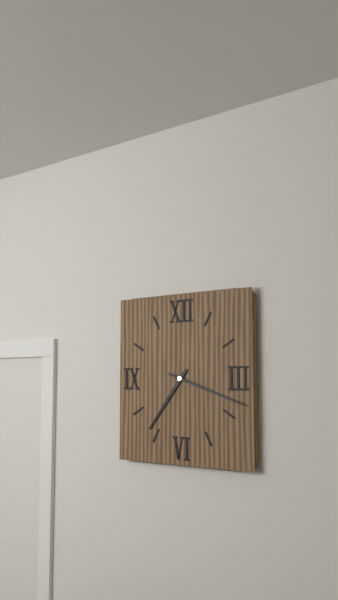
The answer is 7:18
